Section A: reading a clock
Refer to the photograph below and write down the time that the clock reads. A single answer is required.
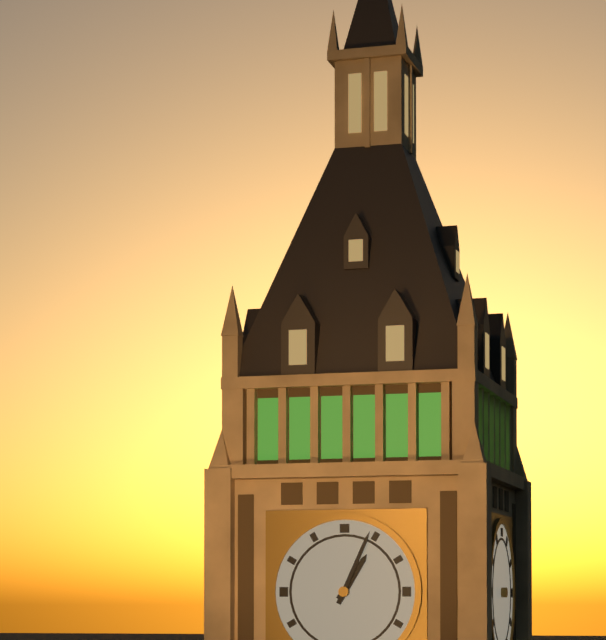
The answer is 1:04
